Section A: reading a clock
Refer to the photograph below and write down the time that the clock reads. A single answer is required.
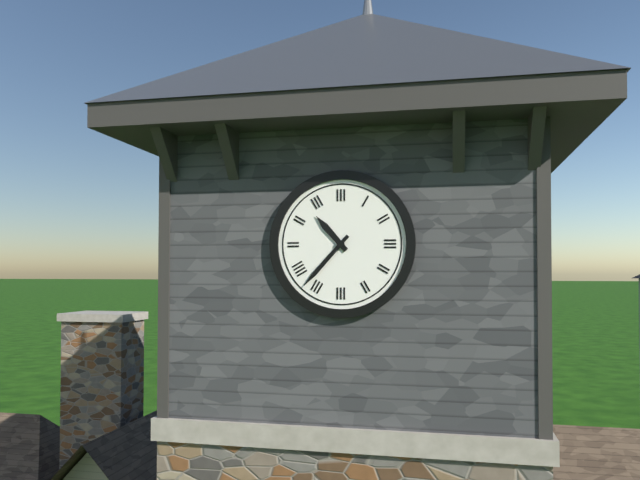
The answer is 10:37
